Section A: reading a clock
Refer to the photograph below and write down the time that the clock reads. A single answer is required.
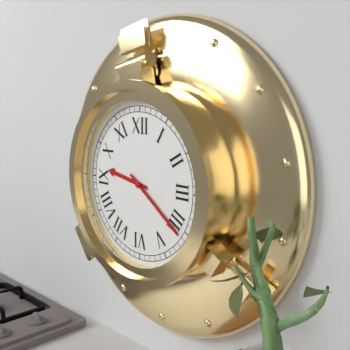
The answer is 9:21
